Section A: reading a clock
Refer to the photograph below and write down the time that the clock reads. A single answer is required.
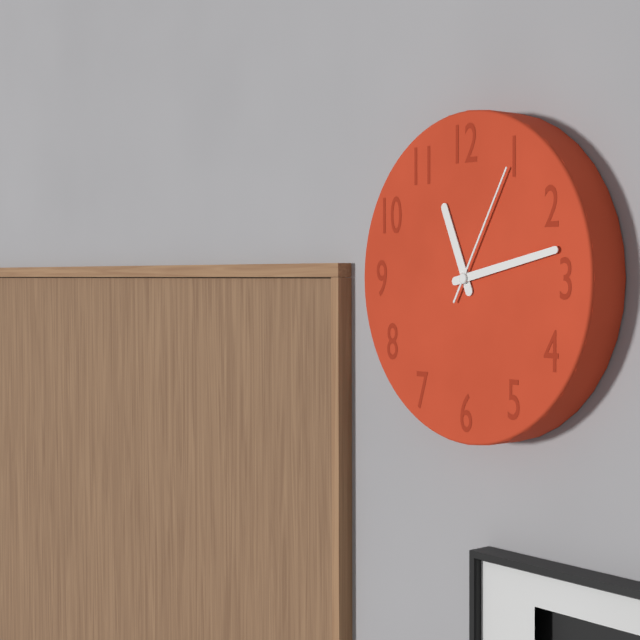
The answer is 11:13:05
